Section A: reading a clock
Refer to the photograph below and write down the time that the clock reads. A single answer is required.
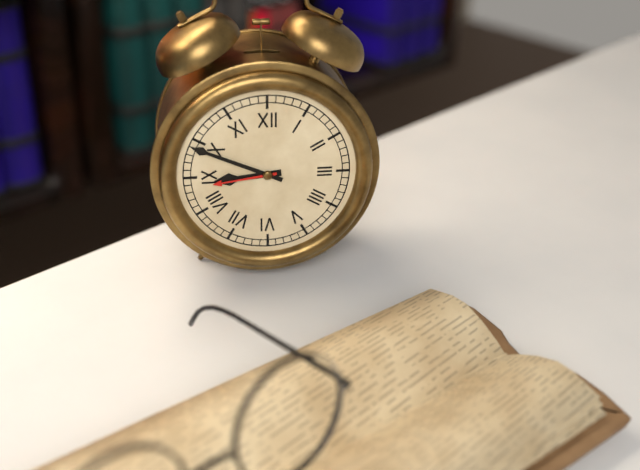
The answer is 8:49
